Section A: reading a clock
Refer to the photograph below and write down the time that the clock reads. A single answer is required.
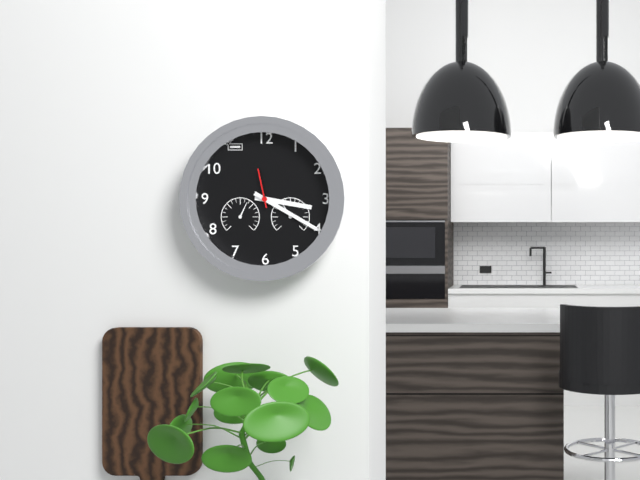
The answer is 3:20
